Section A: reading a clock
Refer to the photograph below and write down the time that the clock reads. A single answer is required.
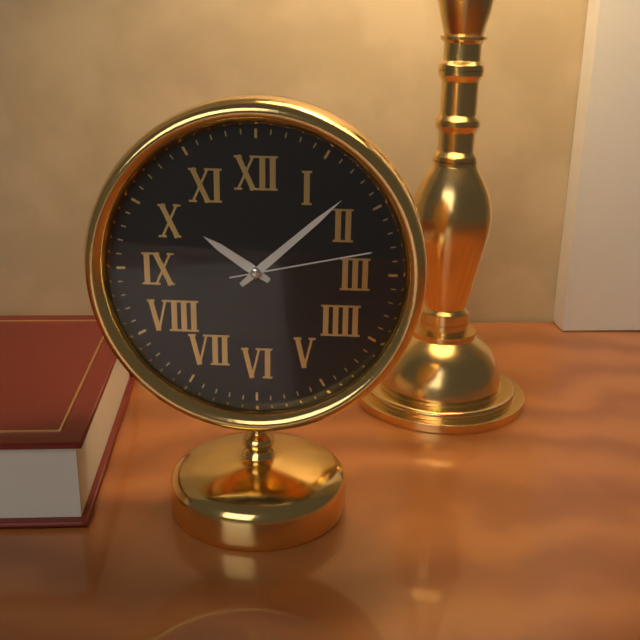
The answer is 10:08:13
